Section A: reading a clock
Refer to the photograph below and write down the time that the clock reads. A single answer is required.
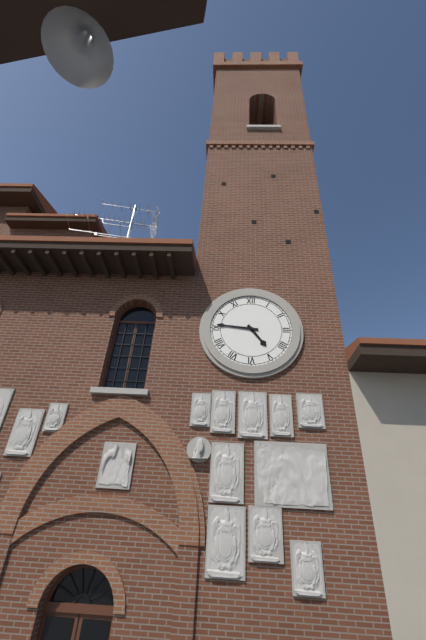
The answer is 4:46
